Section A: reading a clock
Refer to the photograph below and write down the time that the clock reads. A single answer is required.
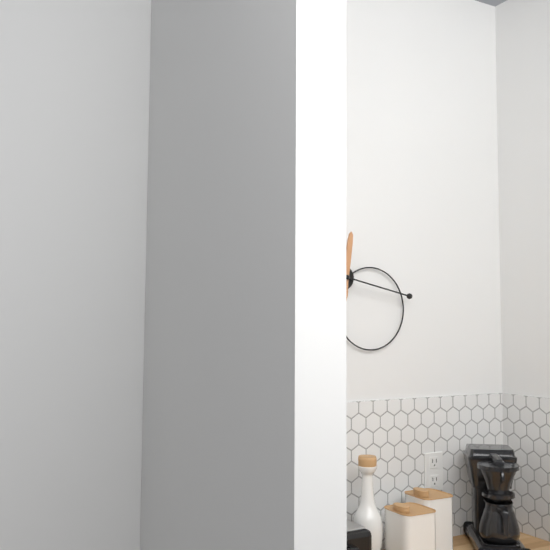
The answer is 12:17
